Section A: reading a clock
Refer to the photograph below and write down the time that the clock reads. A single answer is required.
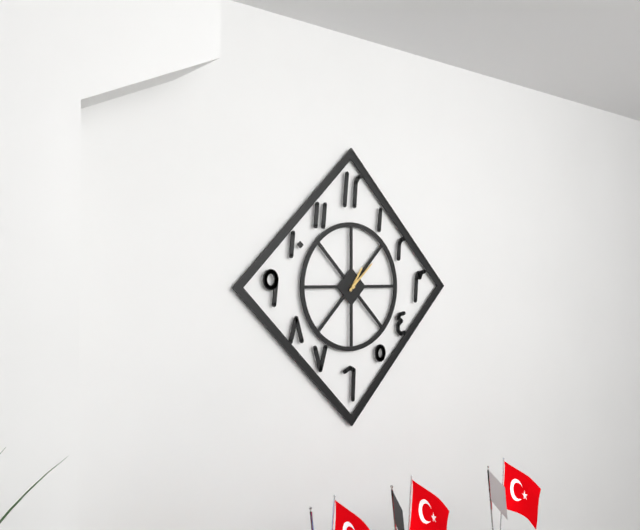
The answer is 1:08
